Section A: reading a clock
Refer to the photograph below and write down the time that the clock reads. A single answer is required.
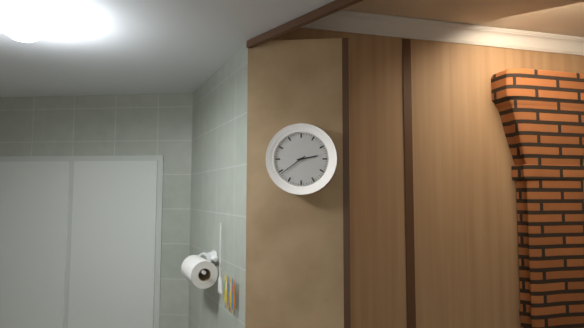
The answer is 2:39
